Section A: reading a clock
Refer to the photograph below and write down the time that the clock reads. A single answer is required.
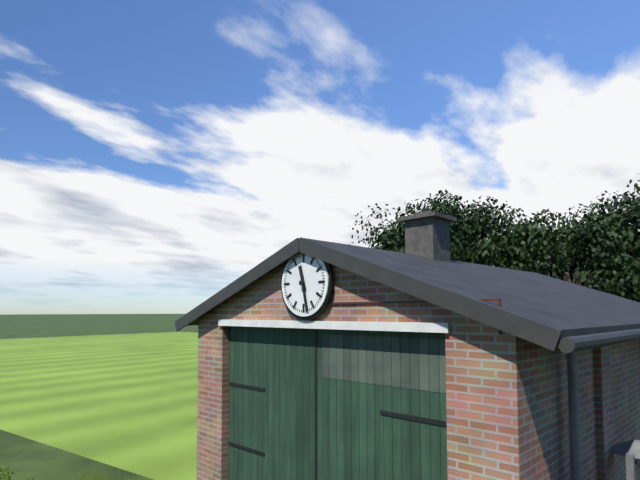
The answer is 11:28
